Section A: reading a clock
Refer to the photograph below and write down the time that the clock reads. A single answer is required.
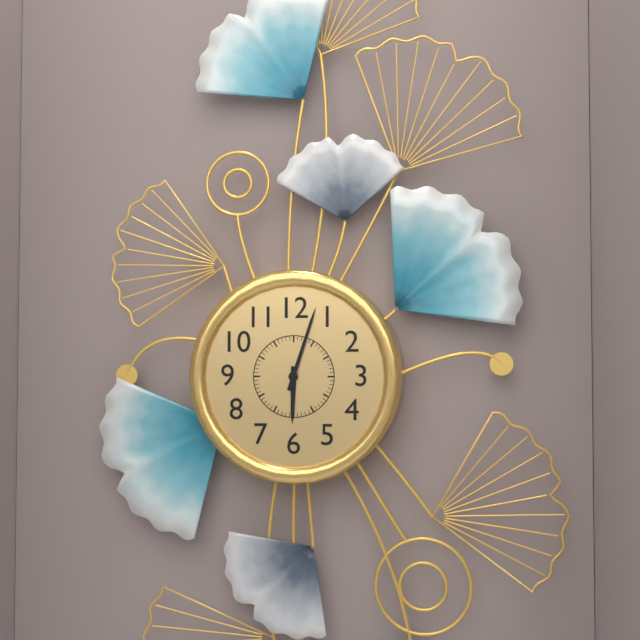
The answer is 6:03
